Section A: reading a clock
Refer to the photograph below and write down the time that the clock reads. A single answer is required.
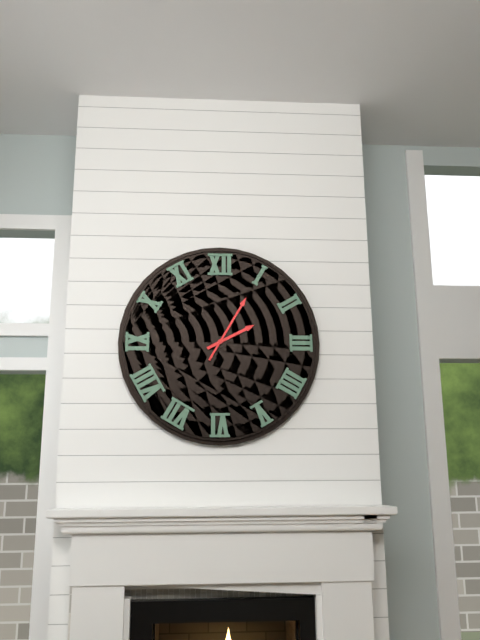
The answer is 2:05
